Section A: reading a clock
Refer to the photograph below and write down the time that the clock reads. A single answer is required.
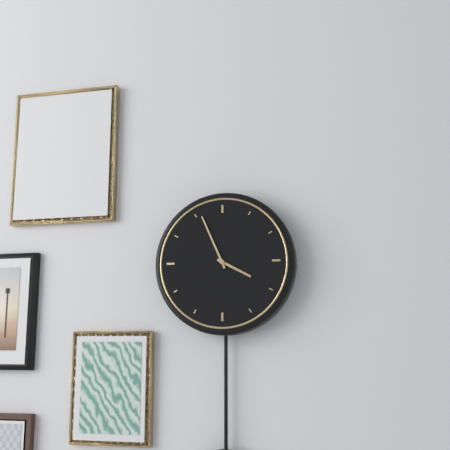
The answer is 3:56
